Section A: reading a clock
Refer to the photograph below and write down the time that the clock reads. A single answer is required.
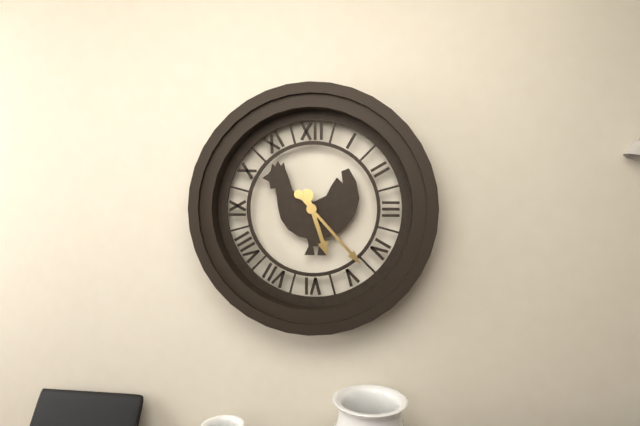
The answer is 5:23
